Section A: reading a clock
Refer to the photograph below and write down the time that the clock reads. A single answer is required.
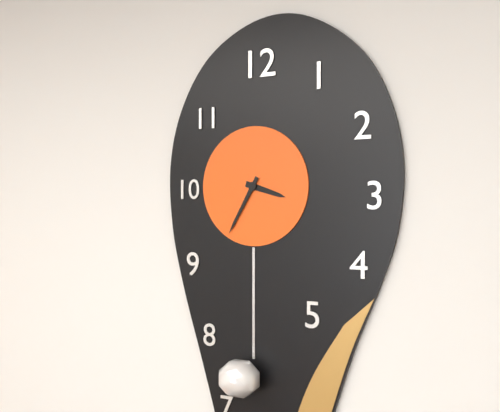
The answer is 3:35
